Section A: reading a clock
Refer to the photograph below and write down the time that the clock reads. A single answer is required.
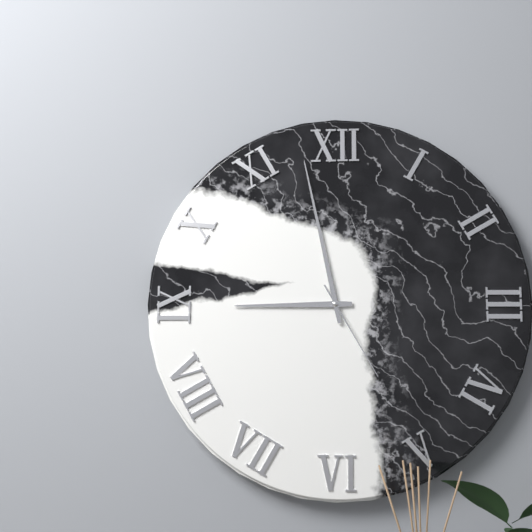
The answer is 8:58:25
